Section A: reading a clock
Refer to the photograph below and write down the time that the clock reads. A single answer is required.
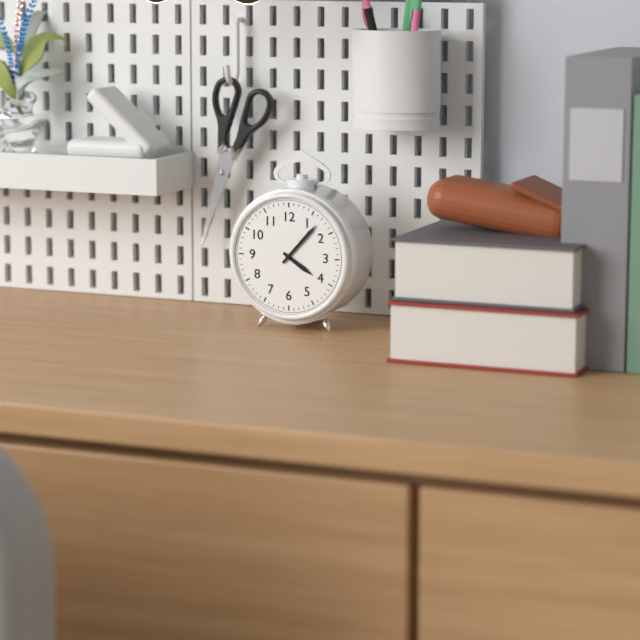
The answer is 4:07
